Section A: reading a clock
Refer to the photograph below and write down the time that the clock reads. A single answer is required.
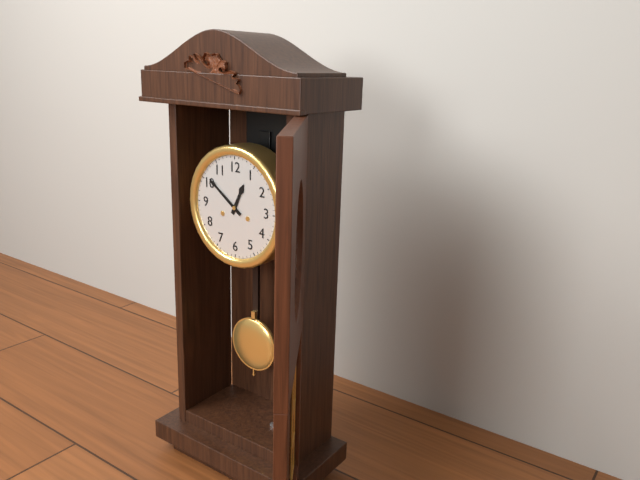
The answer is 12:51
